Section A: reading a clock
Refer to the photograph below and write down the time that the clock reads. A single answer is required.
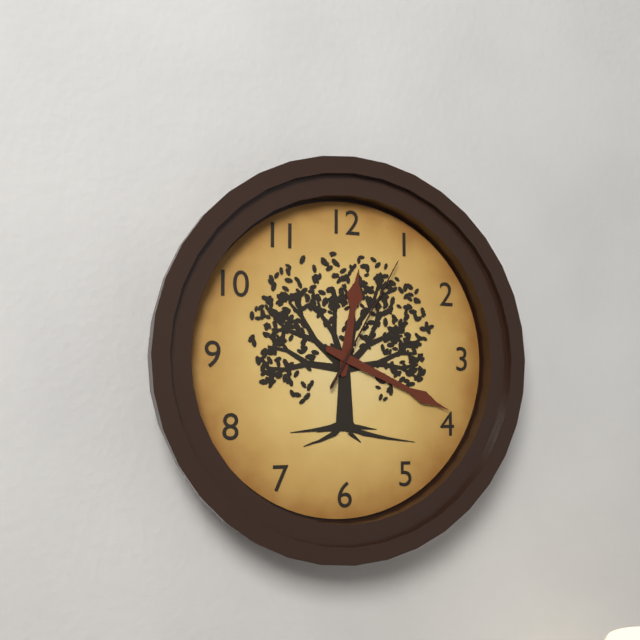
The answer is 12:19:05
